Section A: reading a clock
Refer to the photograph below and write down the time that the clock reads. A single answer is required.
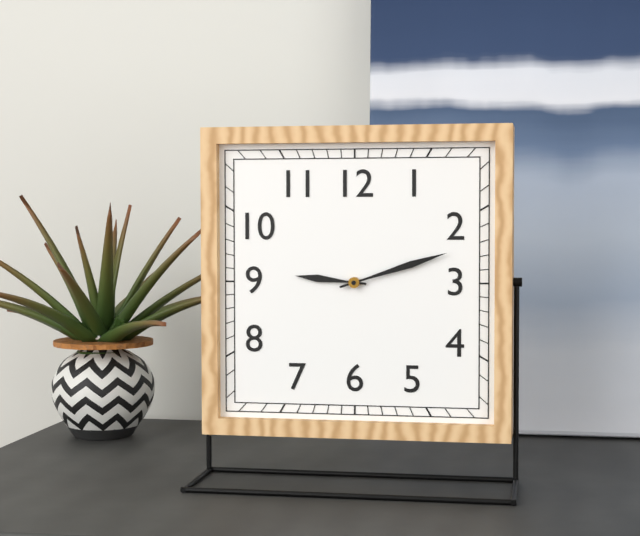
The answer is 9:12
